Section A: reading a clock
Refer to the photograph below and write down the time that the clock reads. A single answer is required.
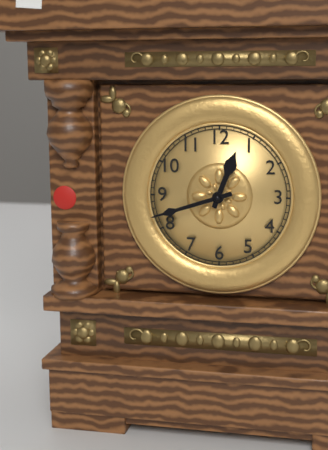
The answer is 12:42
